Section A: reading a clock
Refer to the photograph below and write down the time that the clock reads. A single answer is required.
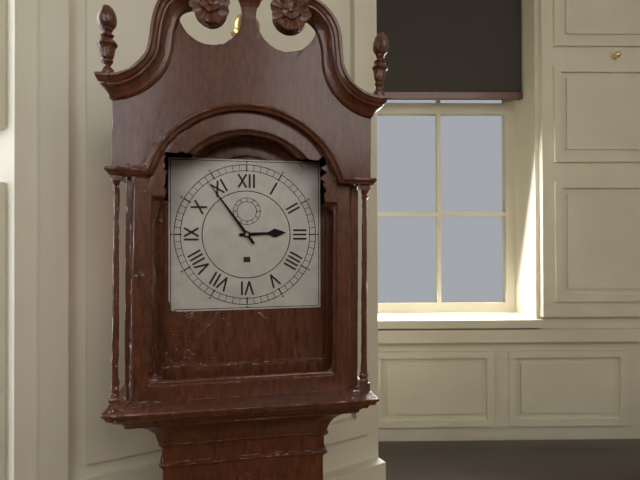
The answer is 2:54
